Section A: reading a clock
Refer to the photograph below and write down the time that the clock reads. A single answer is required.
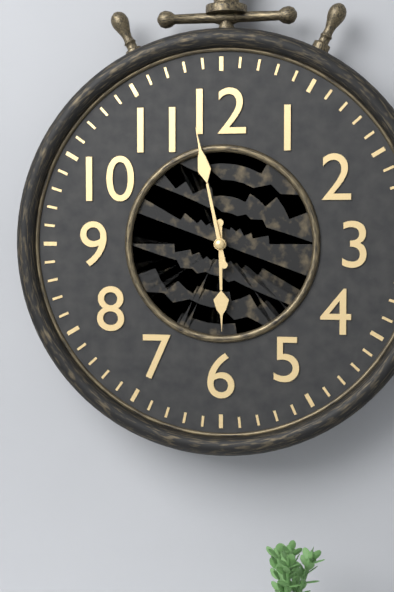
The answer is 5:58
